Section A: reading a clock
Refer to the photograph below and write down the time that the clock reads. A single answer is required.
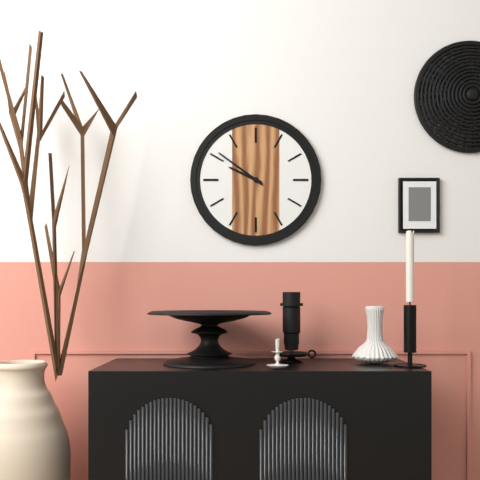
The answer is 9:51
